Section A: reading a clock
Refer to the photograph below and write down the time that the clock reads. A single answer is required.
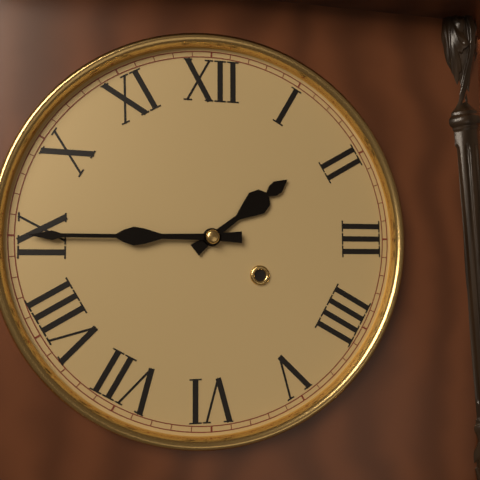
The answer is 1:45
